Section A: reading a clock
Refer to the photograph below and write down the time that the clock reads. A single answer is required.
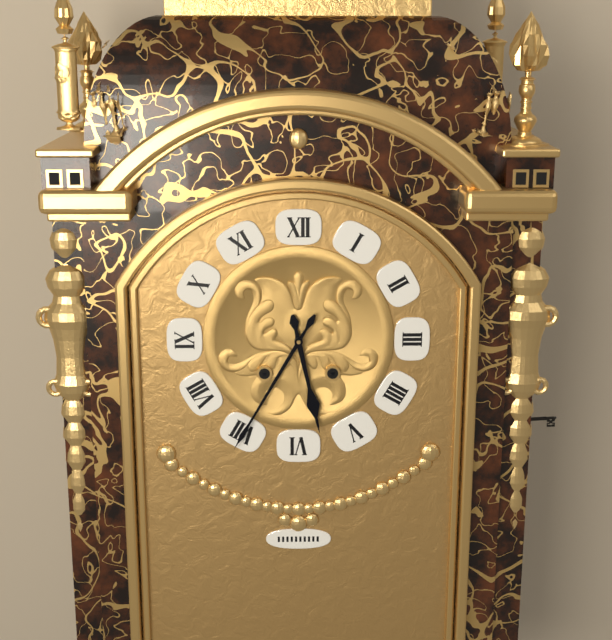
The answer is 5:35
